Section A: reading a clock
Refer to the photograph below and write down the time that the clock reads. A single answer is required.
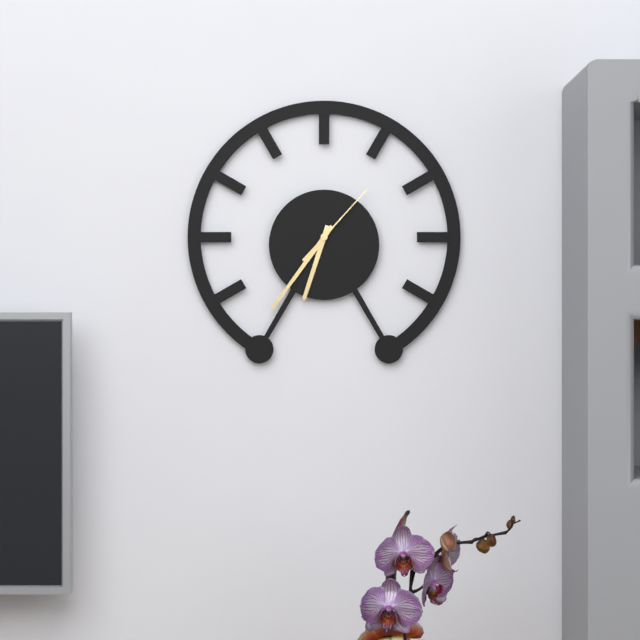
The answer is 6:36:07
